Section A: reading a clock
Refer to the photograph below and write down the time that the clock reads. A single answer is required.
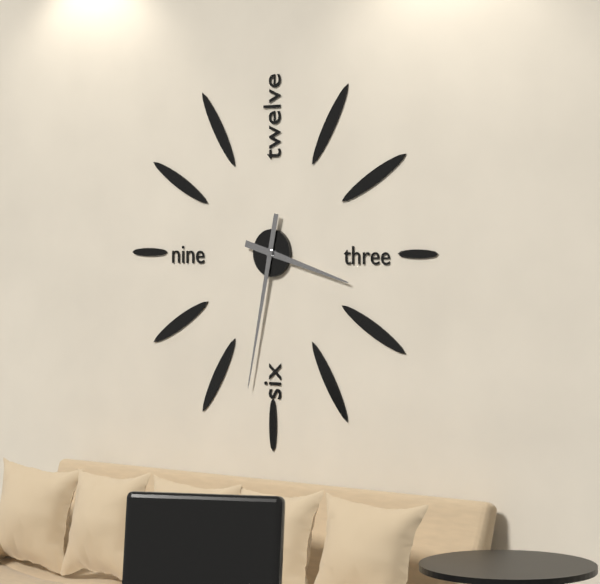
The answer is 3:32
